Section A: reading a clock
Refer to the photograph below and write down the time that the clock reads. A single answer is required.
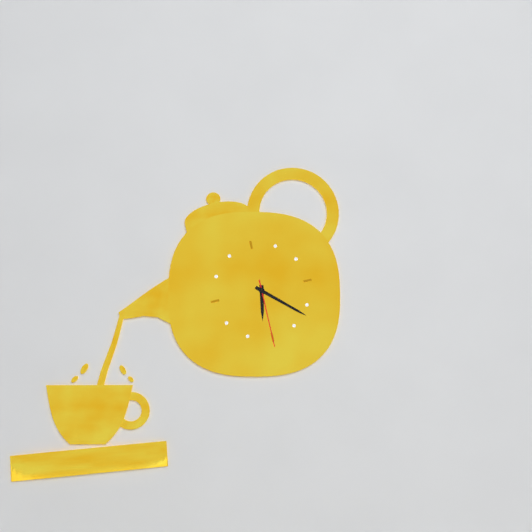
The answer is 6:22:30
